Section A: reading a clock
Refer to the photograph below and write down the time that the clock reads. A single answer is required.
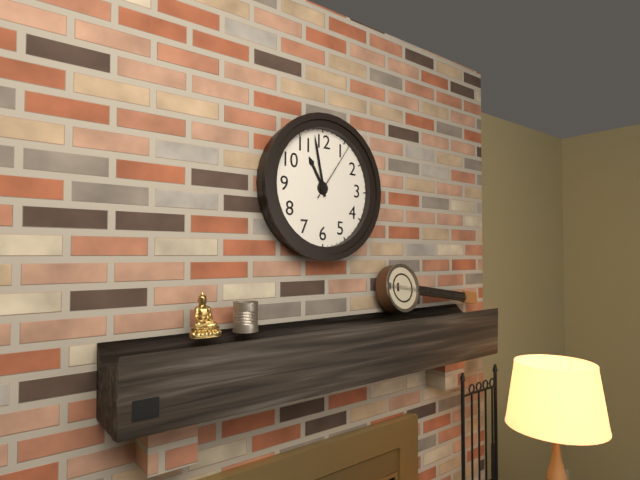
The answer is 10:58:06
